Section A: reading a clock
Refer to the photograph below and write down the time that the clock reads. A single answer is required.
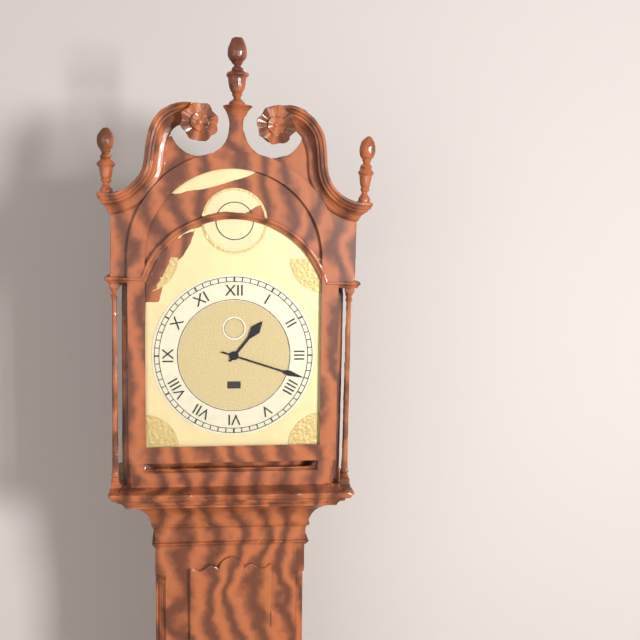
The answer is 1:18
